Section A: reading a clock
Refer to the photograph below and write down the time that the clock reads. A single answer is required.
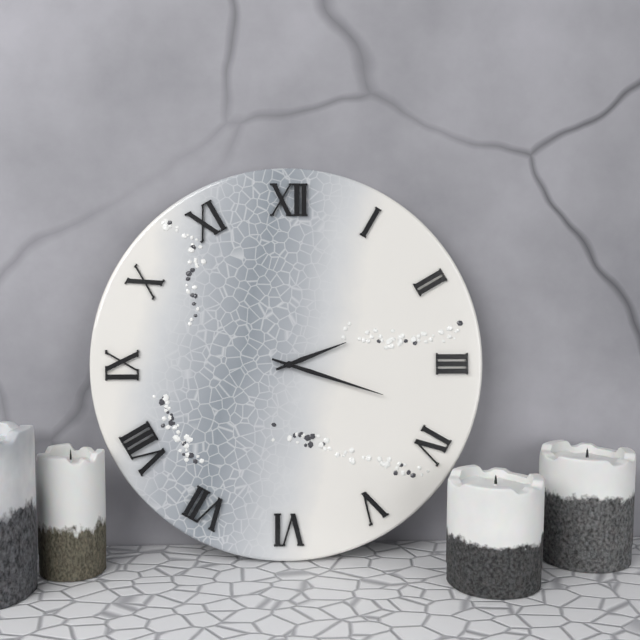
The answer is 2:18
